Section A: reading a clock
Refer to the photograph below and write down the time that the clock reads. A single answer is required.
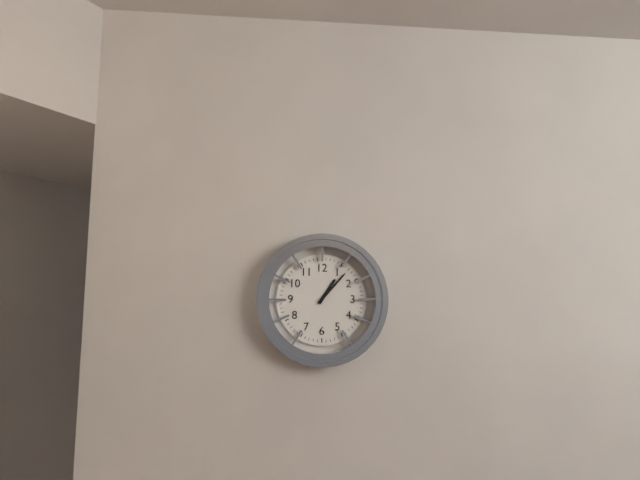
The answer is 1:07
